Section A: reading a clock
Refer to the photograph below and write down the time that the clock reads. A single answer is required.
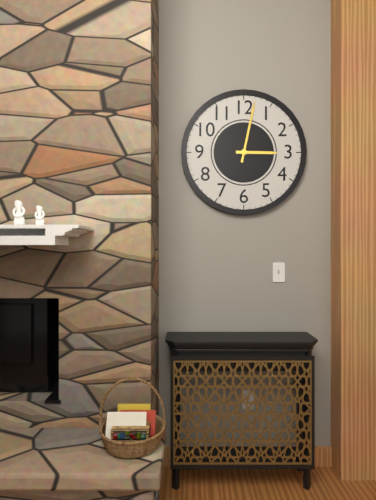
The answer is 3:02
